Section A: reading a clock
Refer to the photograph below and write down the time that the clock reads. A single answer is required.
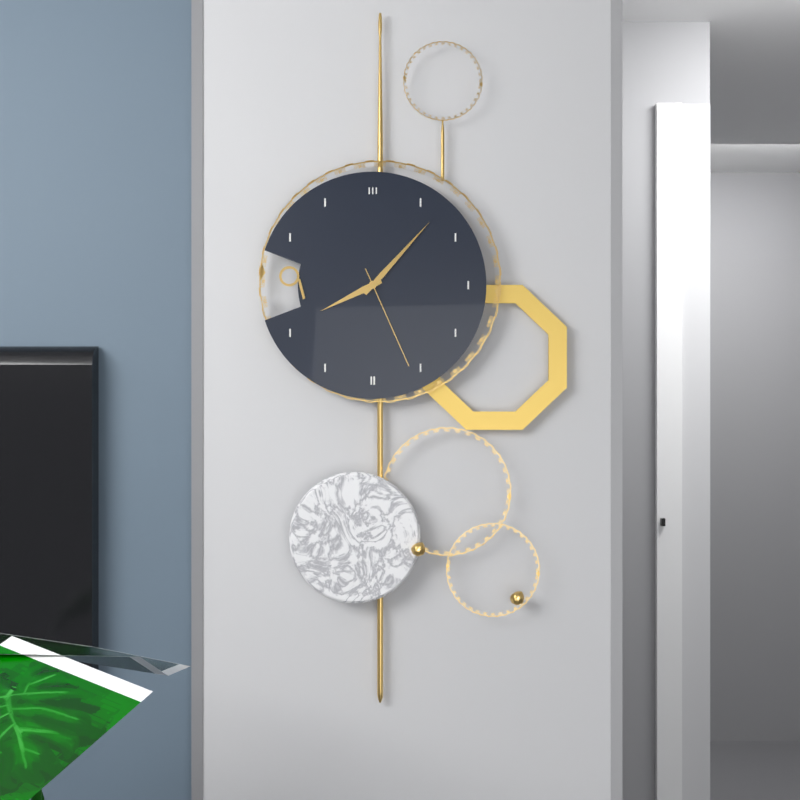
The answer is 8:07:26
